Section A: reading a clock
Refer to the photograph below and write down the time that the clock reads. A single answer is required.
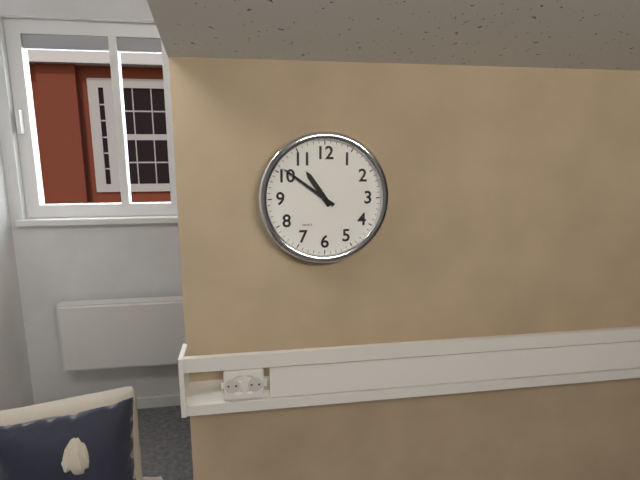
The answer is 10:51
